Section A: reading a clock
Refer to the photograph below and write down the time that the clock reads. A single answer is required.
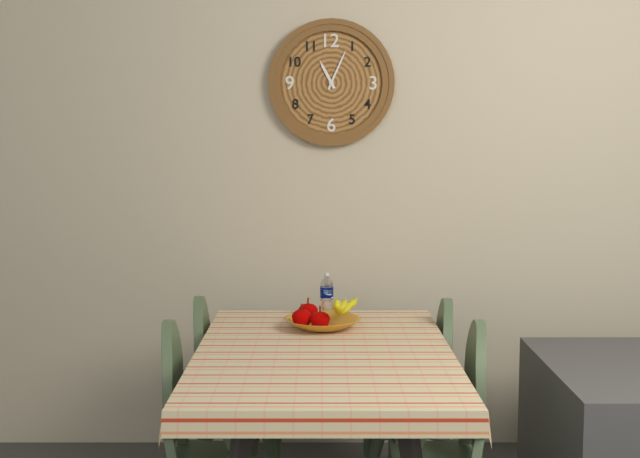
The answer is 11:04
